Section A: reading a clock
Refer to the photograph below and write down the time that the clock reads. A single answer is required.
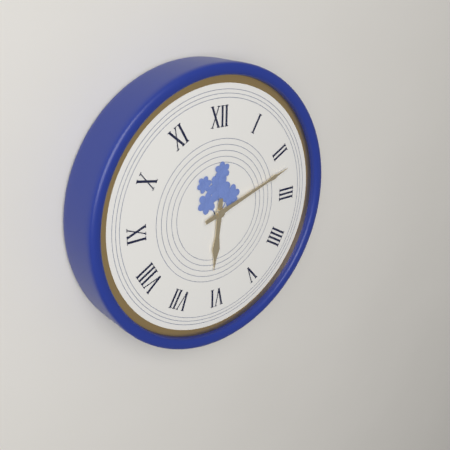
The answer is 6:12
